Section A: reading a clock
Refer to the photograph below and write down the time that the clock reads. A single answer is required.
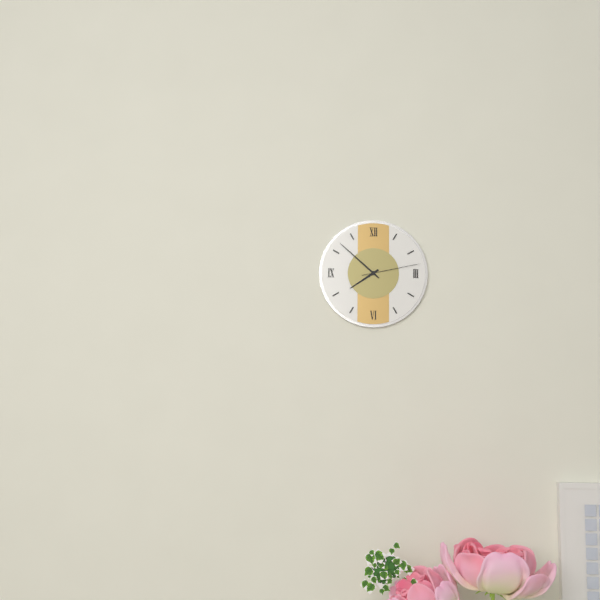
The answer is 7:52:13
